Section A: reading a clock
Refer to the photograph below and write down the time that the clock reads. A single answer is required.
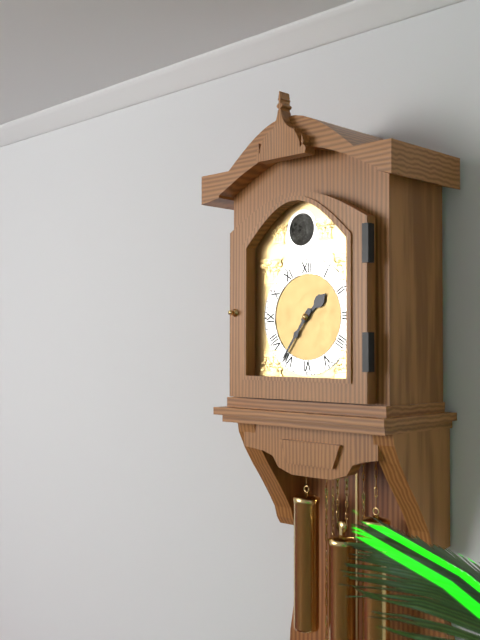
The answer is 1:36
